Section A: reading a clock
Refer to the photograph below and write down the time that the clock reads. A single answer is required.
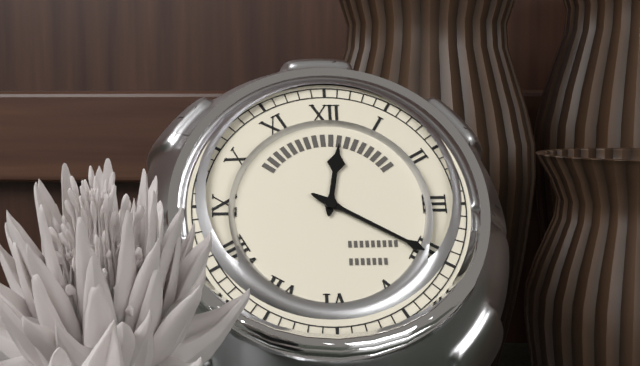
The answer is 12:20
